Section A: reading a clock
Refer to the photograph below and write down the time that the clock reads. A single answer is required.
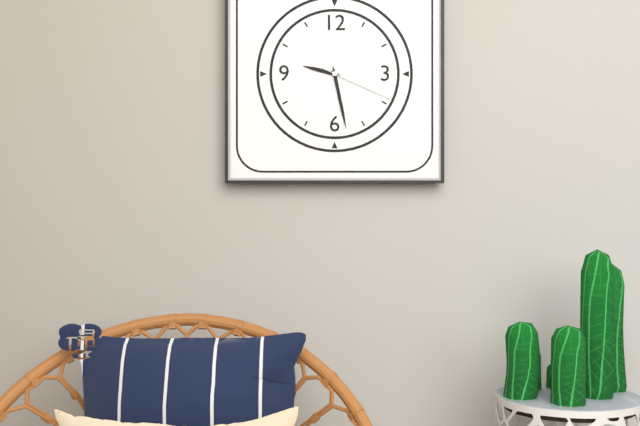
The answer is 9:28:19
